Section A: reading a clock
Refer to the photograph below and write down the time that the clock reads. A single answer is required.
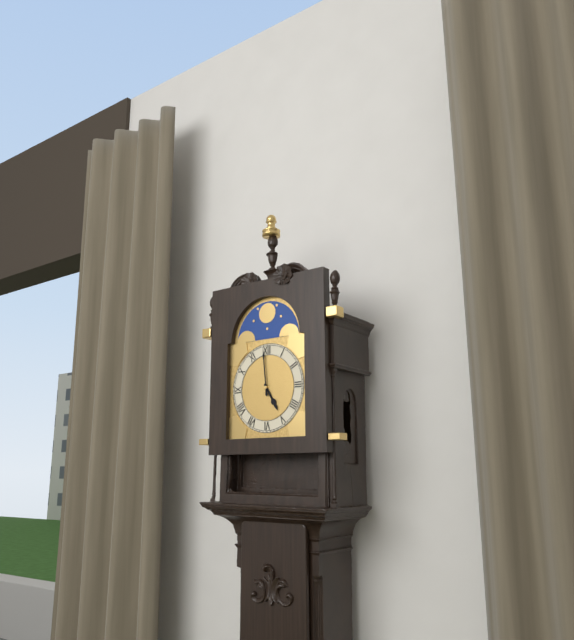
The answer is 4:59
